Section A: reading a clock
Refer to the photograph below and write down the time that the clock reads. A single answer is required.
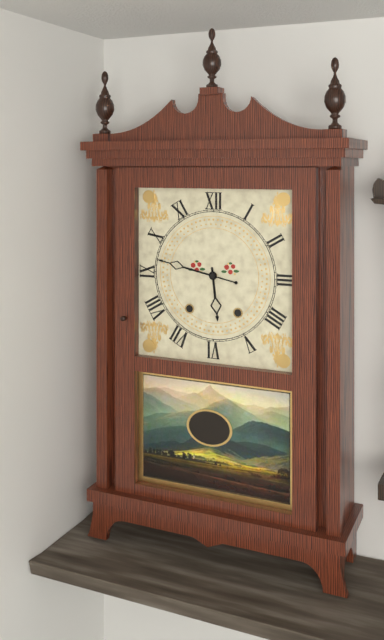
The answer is 5:47
